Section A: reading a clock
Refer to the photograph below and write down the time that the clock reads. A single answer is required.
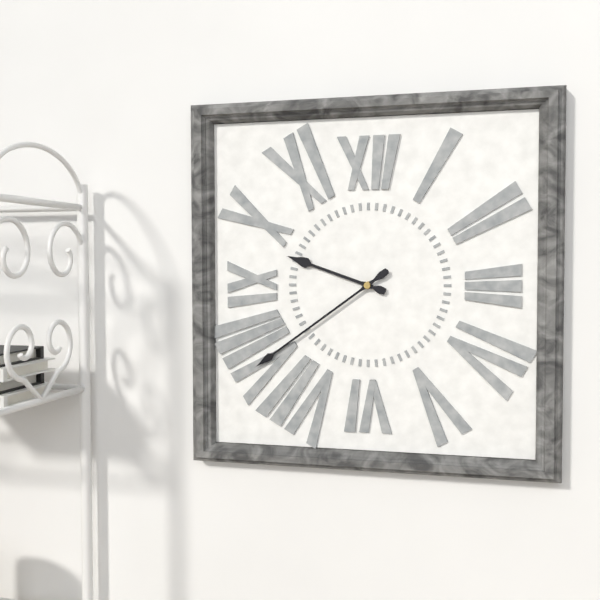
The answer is 9:39
